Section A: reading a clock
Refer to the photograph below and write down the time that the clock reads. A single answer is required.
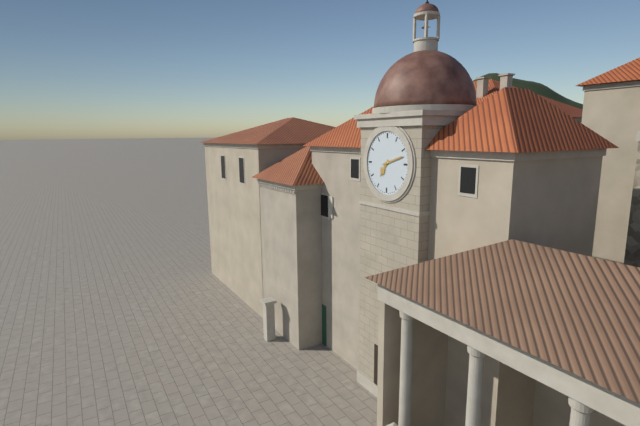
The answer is 7:12
